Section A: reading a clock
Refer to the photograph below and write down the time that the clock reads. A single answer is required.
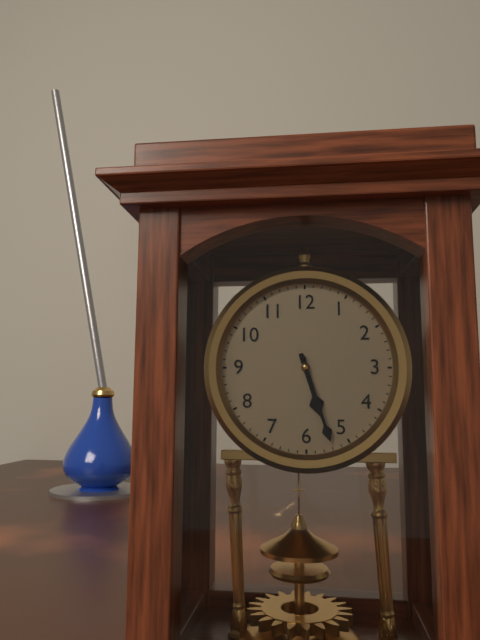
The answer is 5:27
